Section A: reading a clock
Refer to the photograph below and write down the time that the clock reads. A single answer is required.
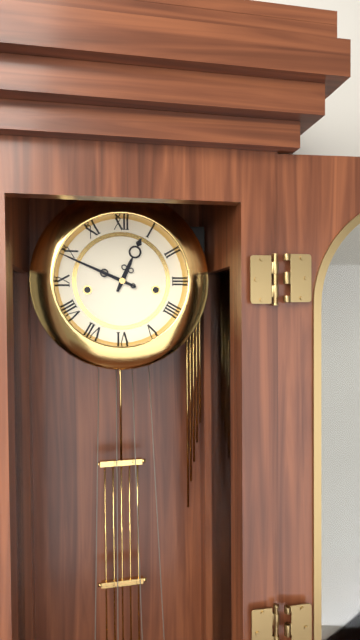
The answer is 12:49
